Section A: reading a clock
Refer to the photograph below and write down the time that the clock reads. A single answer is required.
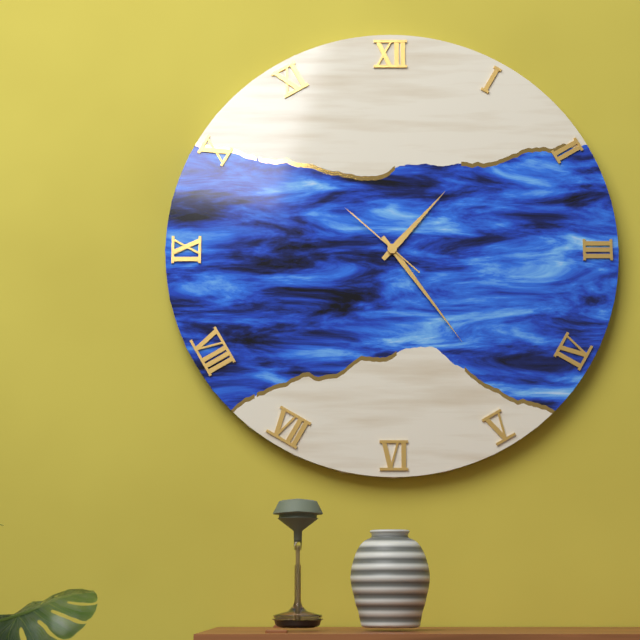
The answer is 1:24:52
